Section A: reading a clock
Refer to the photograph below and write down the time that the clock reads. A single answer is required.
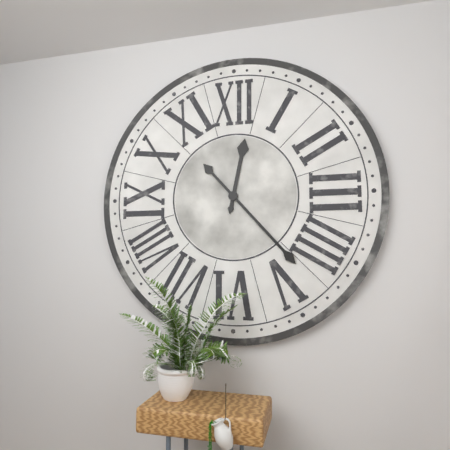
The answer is 12:23
